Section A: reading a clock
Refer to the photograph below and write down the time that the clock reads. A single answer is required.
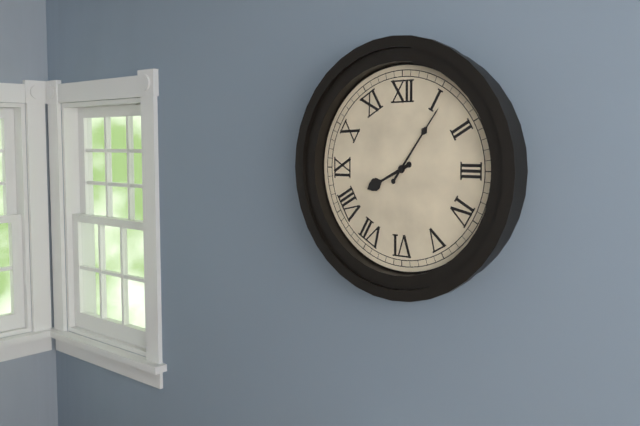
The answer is 8:06
